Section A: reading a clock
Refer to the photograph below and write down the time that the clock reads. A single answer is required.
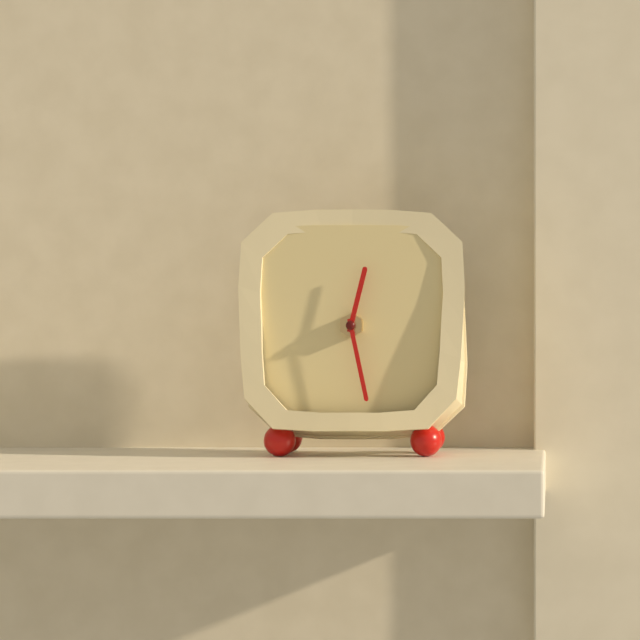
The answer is 12:28
